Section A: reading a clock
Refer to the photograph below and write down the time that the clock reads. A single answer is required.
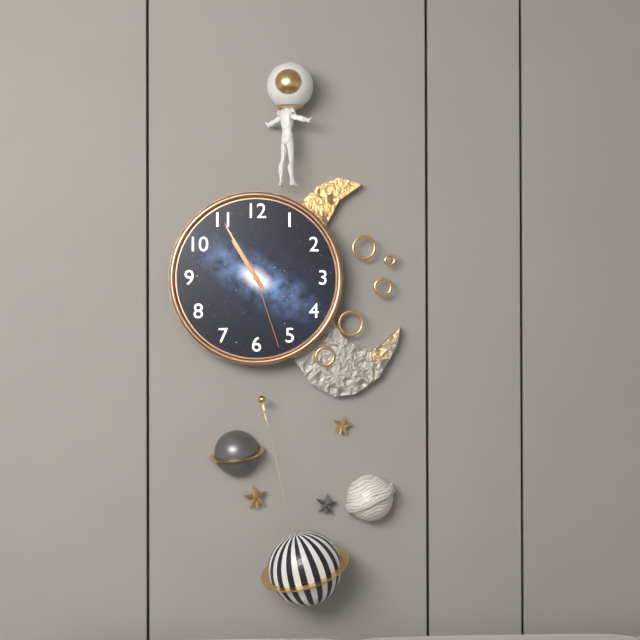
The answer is 10:55:27
